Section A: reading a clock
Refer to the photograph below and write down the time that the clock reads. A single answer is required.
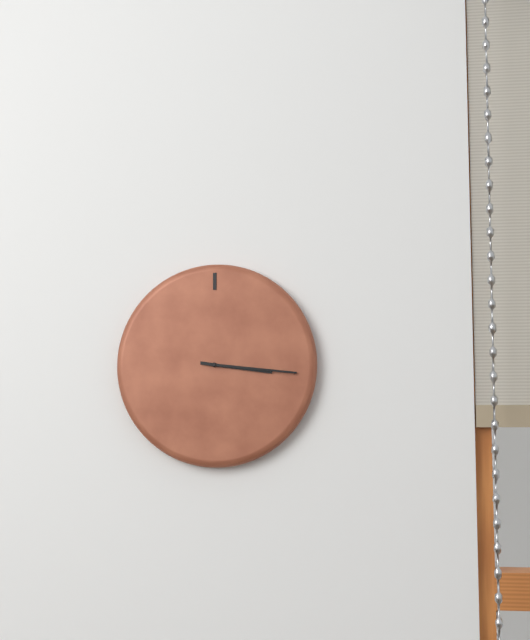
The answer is 3:16
